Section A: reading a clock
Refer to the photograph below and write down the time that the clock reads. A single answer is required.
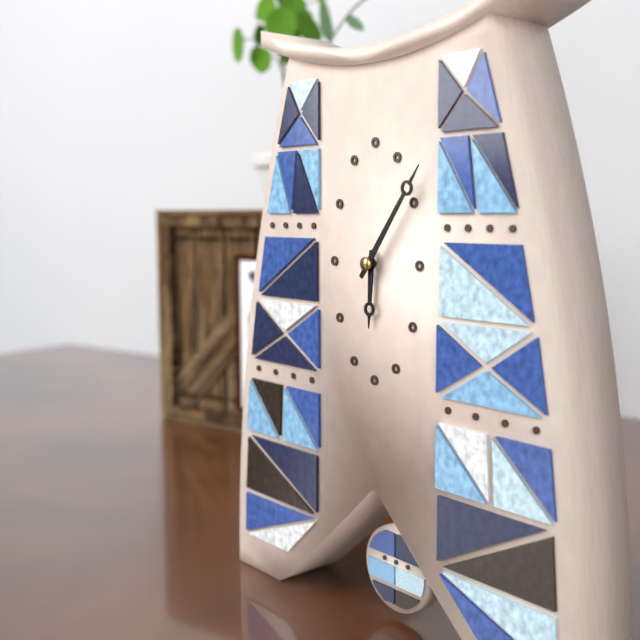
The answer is 6:06
